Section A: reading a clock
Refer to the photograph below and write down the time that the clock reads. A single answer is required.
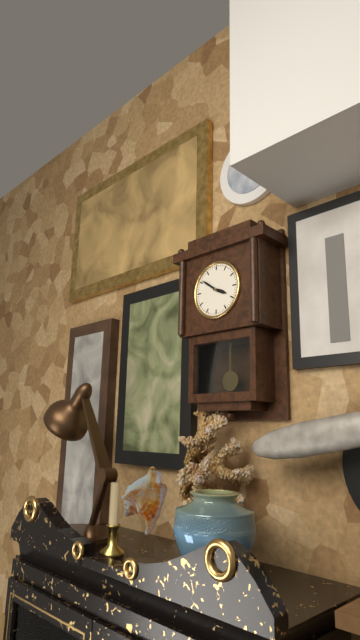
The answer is 3:51
